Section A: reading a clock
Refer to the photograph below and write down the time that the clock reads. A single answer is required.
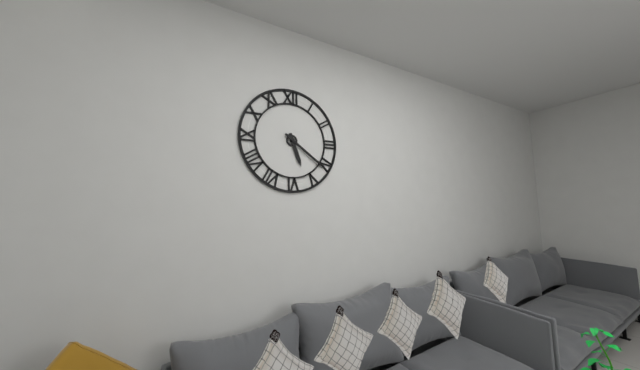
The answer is 5:21
